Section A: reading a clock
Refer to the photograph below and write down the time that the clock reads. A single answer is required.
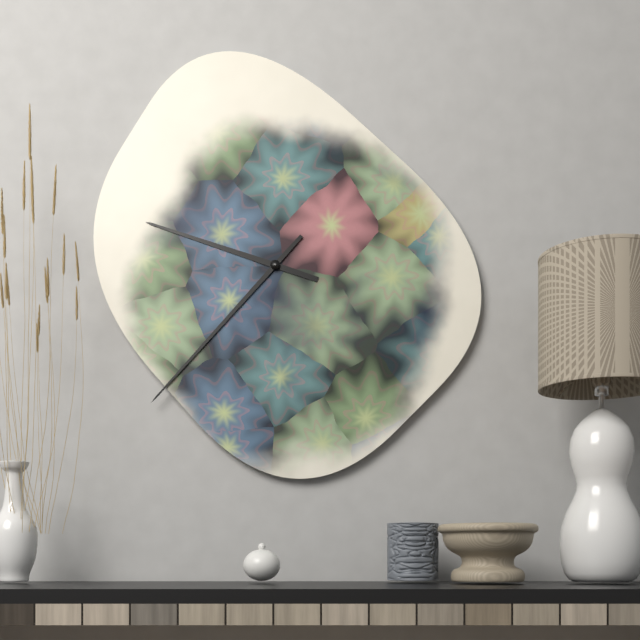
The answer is 9:37
